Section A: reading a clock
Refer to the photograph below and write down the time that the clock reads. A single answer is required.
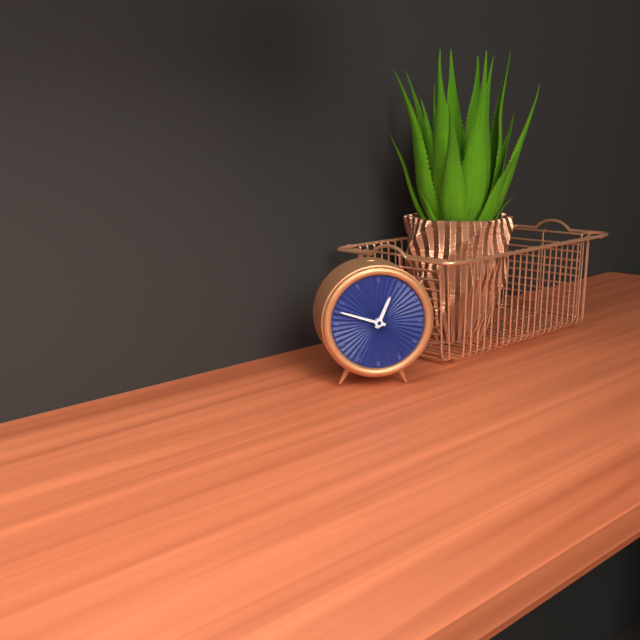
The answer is 12:48
